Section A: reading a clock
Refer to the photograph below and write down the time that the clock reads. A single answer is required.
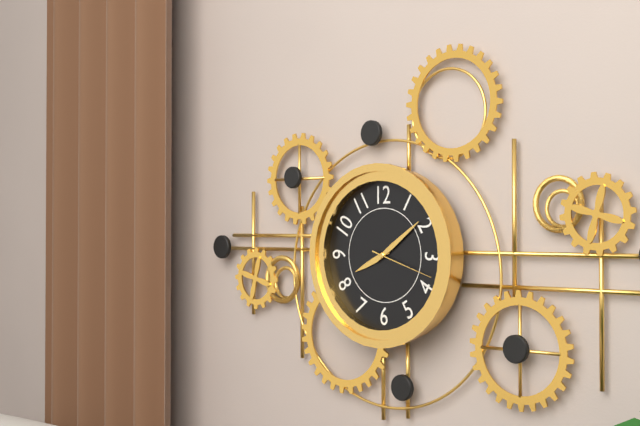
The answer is 8:09:18
